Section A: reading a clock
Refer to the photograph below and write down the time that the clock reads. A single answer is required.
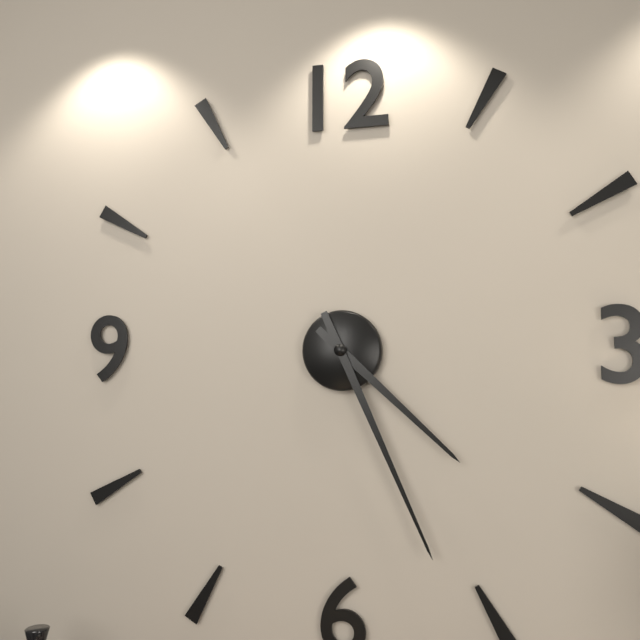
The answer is 4:26
